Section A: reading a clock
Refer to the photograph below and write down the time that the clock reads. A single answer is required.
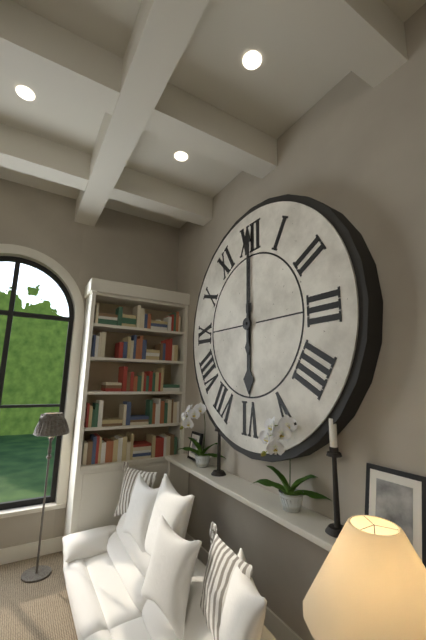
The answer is 6:00
